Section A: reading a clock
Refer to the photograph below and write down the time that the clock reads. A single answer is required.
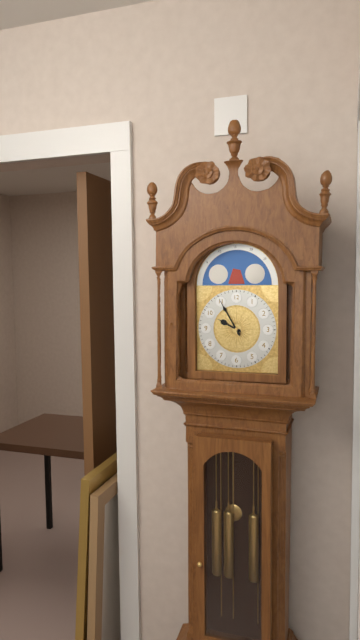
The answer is 9:55
